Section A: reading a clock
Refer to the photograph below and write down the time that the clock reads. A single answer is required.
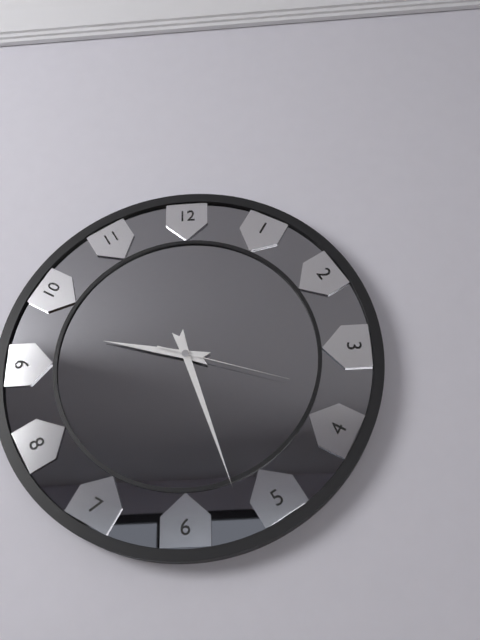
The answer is 9:27:18
